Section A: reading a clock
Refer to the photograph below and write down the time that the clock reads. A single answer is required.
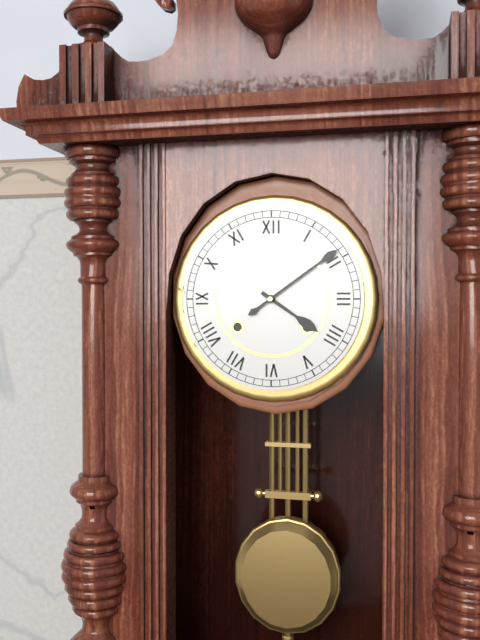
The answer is 4:09
